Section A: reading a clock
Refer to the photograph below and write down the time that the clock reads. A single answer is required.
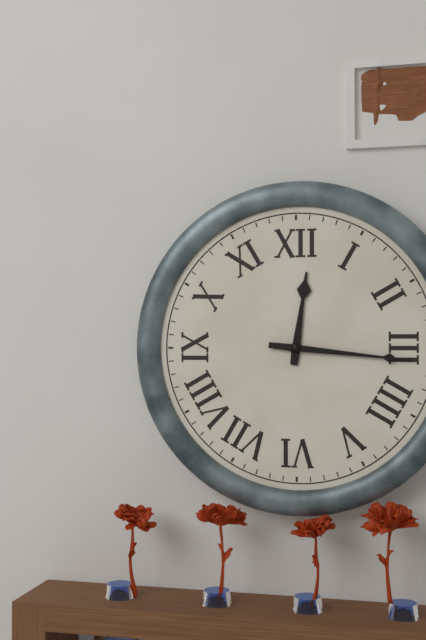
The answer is 12:16
